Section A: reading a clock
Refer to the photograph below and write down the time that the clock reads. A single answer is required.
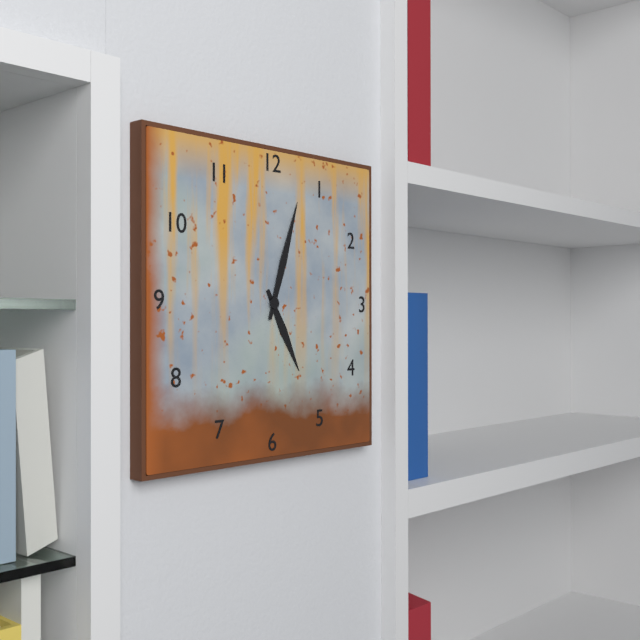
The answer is 5:03
